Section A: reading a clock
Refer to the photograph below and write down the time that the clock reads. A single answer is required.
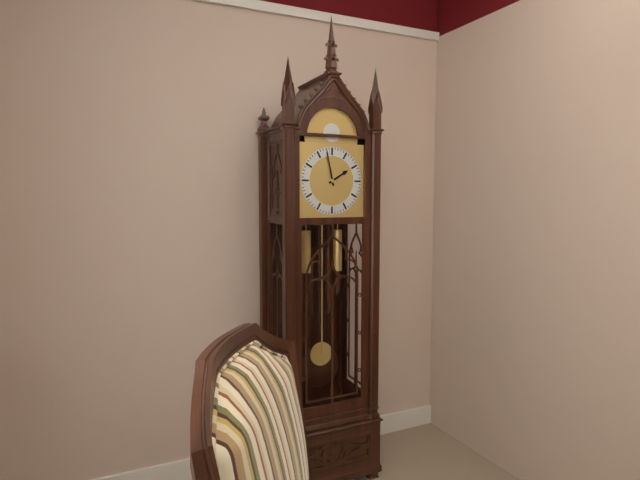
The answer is 1:58
